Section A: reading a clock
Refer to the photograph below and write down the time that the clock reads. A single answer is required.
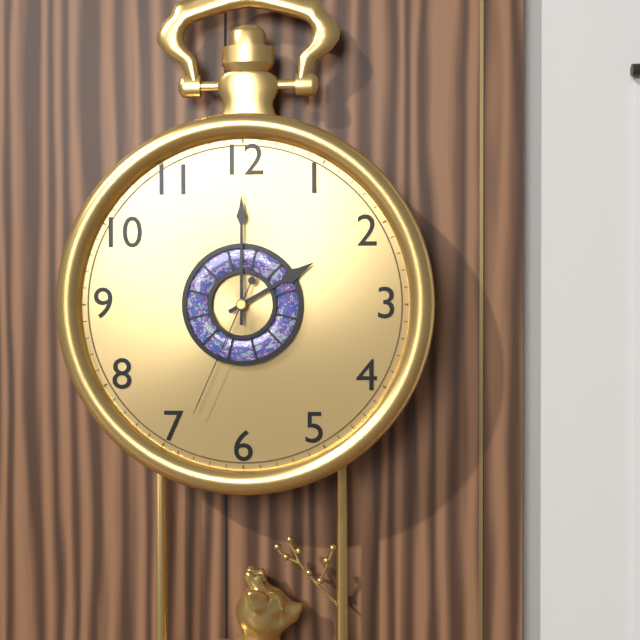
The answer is 2:00:34
